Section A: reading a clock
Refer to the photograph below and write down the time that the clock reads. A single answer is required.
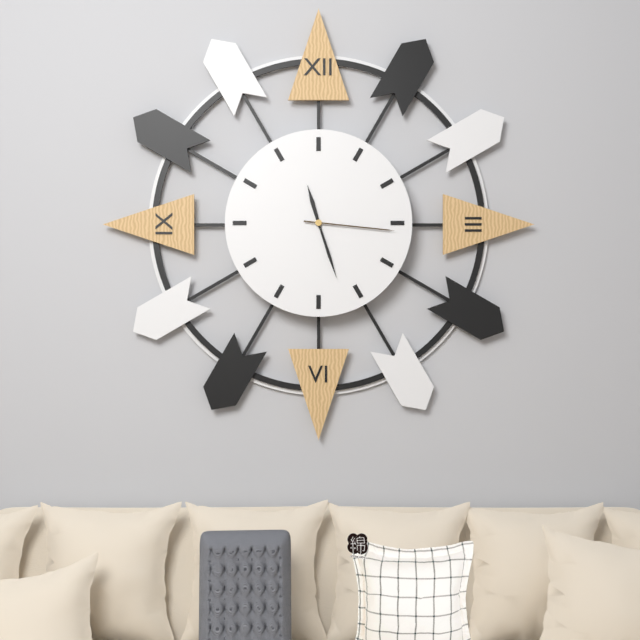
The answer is 11:27:16
